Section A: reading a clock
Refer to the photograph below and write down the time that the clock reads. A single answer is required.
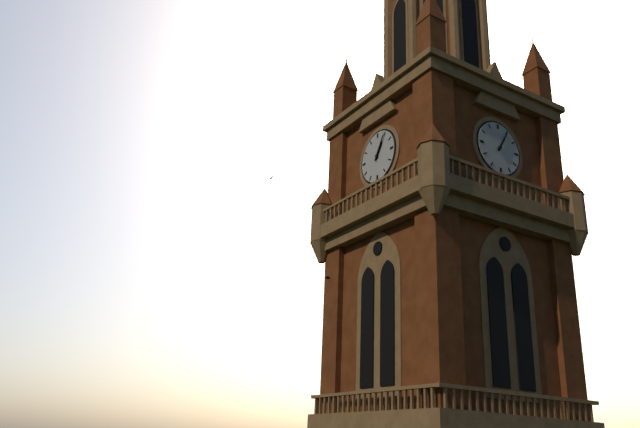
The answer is 1:05
